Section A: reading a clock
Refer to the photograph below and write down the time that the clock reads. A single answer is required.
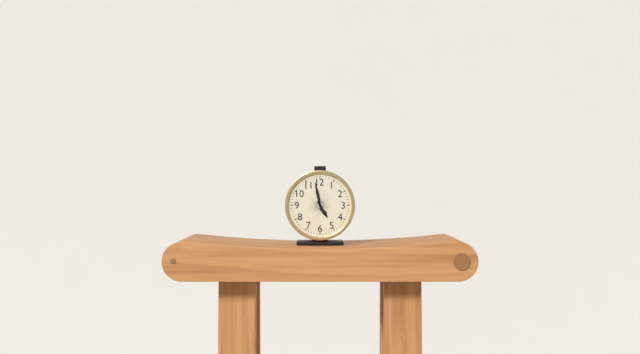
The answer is 4:58
